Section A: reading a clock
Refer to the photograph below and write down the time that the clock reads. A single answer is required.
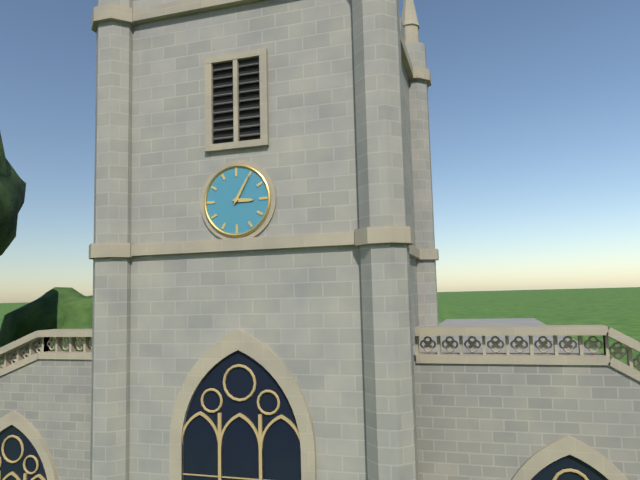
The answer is 3:05
